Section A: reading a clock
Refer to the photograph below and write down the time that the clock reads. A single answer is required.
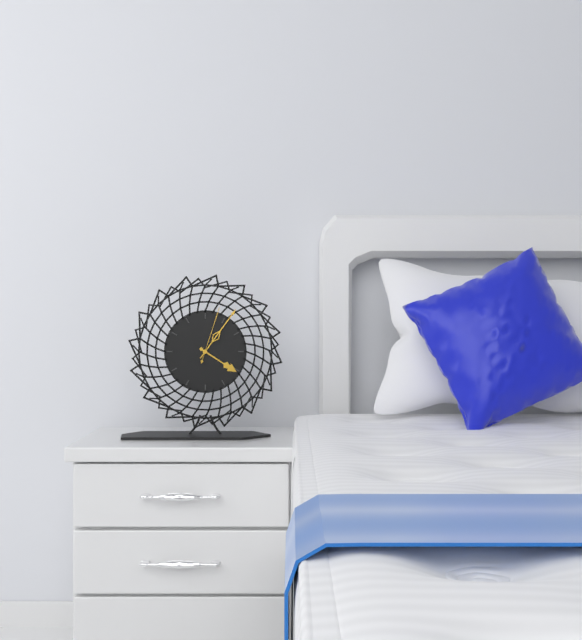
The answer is 4:06:03
